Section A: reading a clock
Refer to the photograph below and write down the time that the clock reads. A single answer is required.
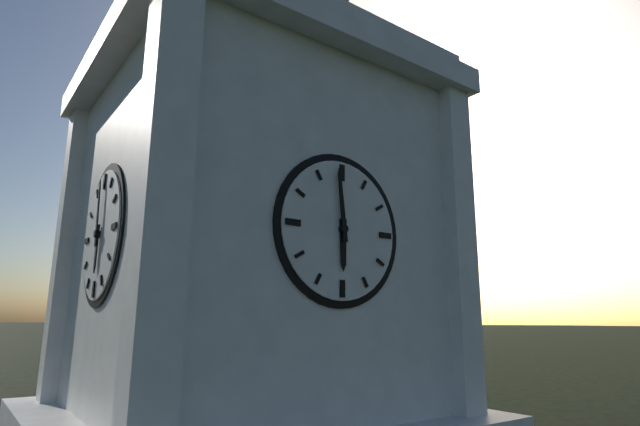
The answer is 5:59
